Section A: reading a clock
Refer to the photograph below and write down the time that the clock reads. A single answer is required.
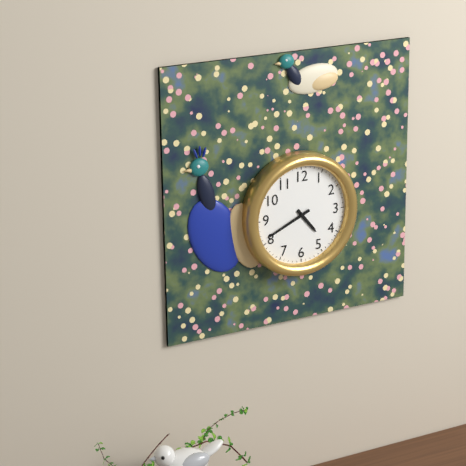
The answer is 4:41
